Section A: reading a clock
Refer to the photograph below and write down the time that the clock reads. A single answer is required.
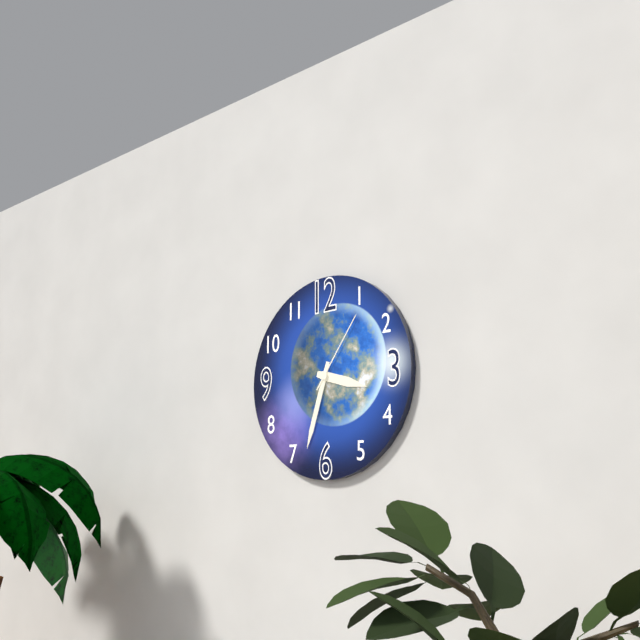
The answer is 3:33:06
